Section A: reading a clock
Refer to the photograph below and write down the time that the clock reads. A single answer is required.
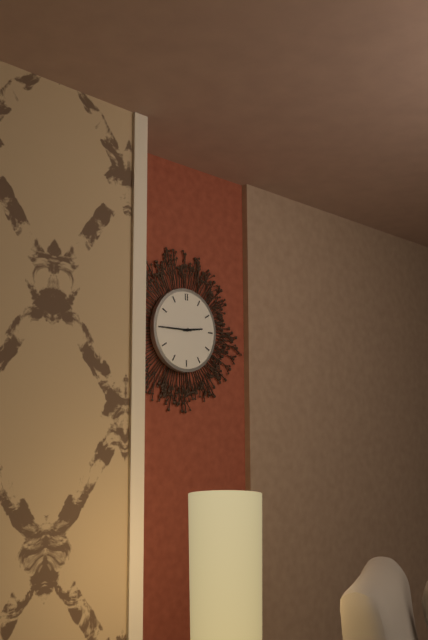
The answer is 2:45
